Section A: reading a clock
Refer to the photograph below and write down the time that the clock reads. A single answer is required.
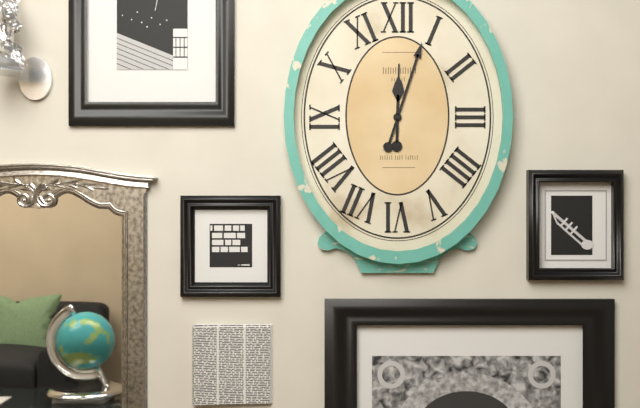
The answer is 12:03
